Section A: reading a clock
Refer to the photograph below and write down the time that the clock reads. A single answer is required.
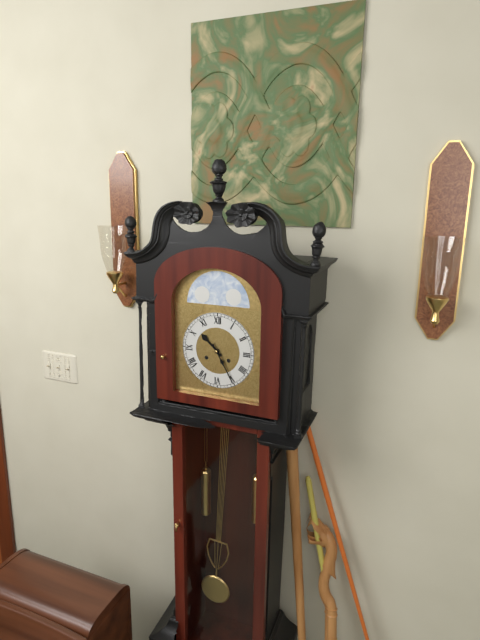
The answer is 10:25
